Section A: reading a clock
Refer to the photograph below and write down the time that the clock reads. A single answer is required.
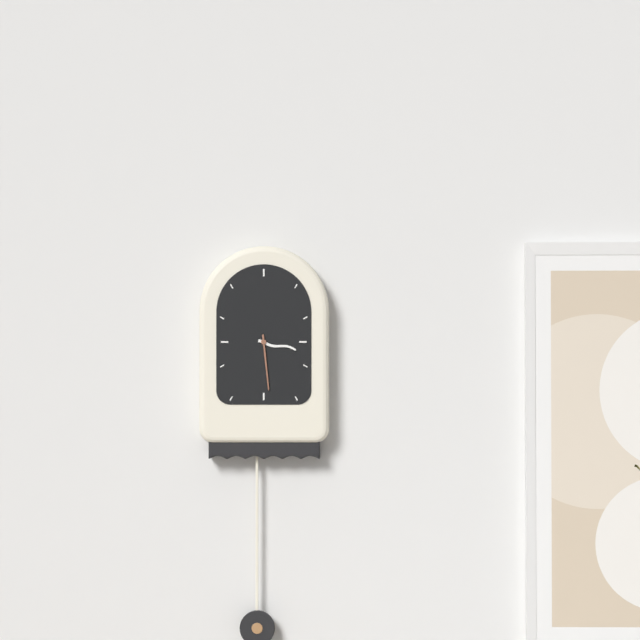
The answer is 3:29
